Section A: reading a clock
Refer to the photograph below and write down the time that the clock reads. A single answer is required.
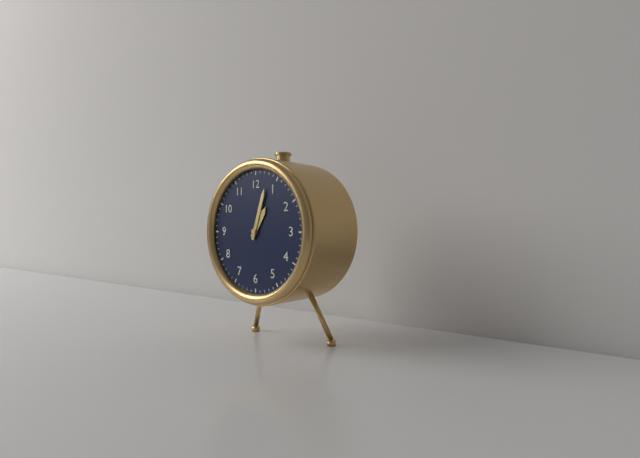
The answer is 1:03
